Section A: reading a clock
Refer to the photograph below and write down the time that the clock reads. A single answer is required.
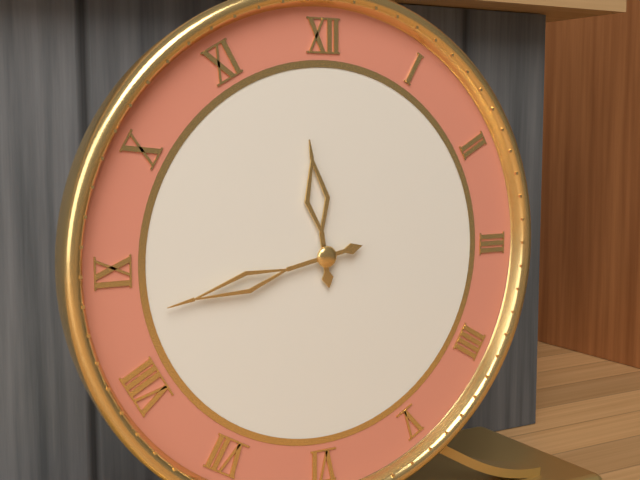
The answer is 11:43
